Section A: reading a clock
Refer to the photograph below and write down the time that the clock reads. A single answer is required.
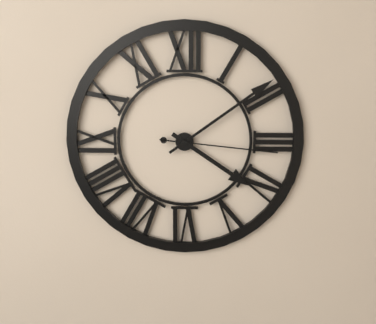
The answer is 4:09:16
